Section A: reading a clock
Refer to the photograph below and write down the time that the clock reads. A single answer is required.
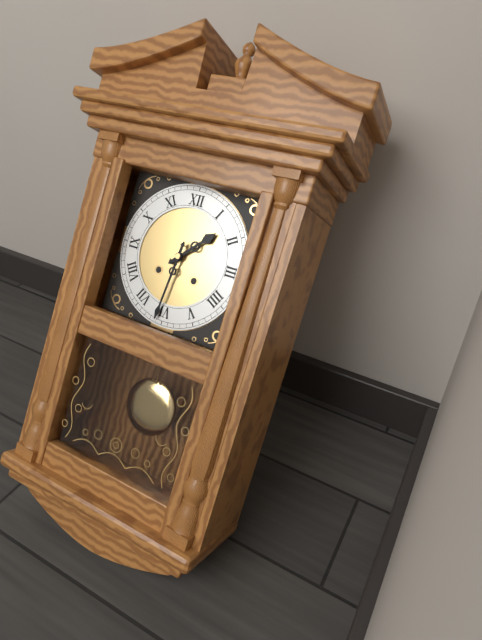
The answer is 1:31
